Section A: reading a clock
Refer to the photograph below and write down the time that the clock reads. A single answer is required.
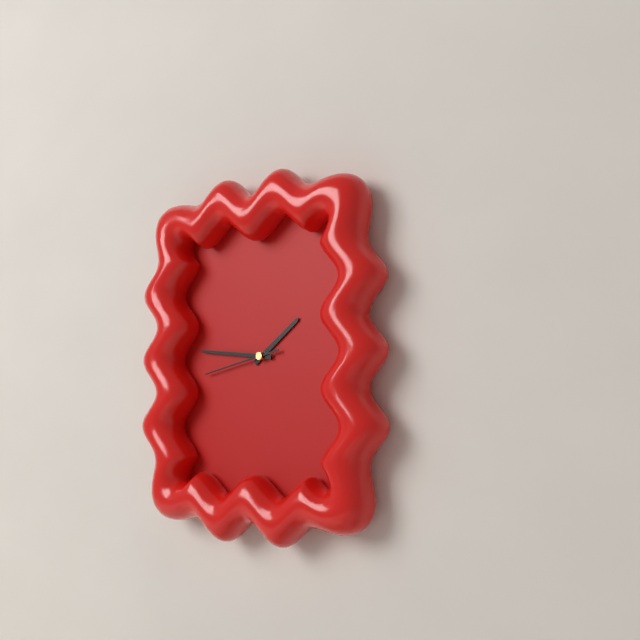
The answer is 1:46:43
